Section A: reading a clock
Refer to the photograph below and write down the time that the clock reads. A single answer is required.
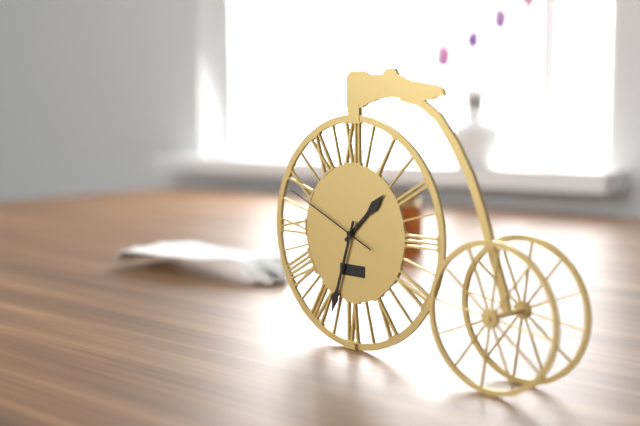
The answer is 1:33:49
